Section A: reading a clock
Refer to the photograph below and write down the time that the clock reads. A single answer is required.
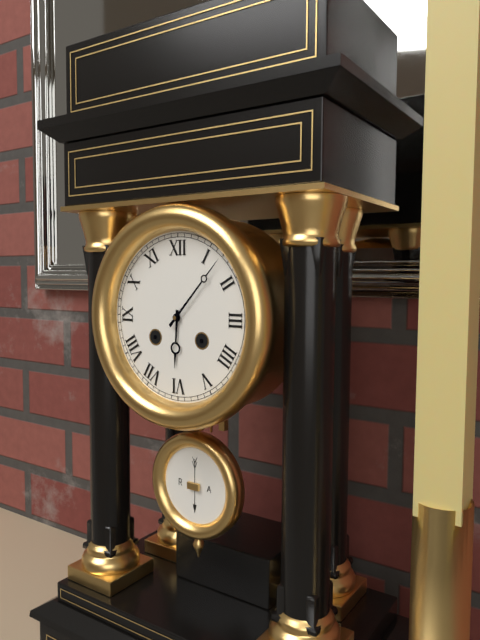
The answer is 6:07
